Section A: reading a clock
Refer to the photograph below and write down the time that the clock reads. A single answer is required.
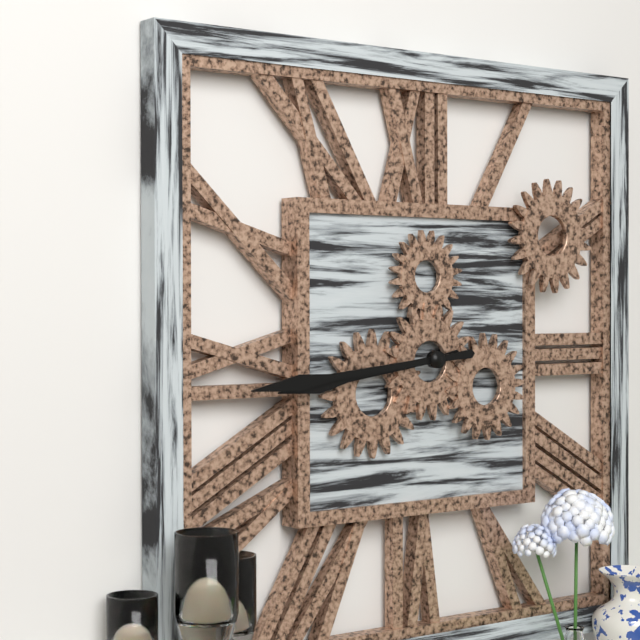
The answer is 8:44
